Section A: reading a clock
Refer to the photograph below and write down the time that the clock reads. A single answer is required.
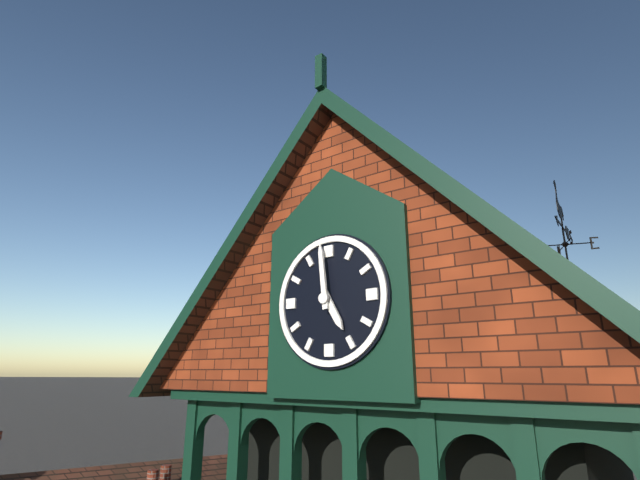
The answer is 4:59
